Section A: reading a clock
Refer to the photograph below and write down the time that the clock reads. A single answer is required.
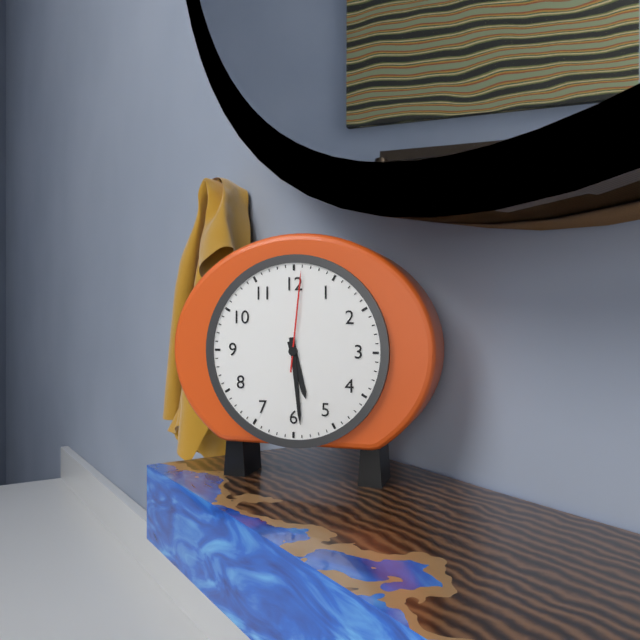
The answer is 5:29:01
